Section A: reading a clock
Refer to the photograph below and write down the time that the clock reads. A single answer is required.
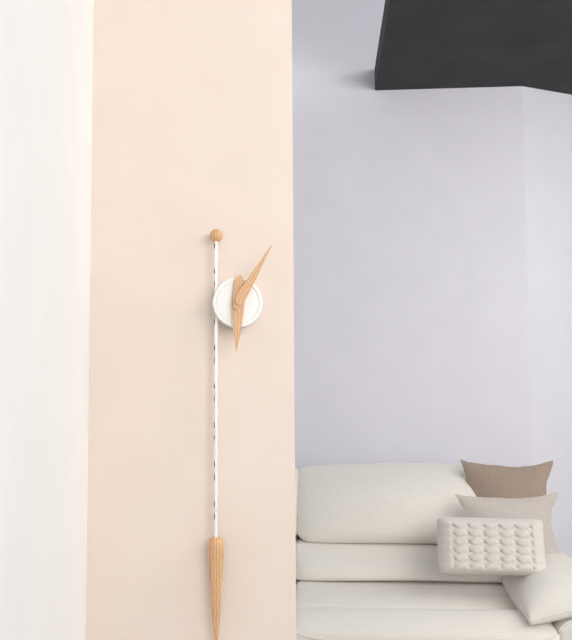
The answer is 6:05
